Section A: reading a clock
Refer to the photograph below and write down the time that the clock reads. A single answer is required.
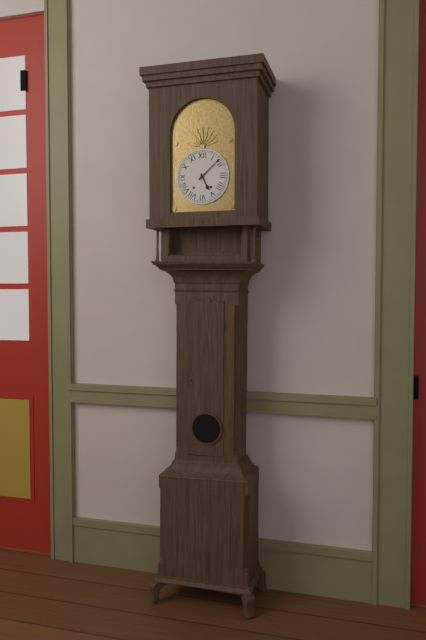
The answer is 5:08
